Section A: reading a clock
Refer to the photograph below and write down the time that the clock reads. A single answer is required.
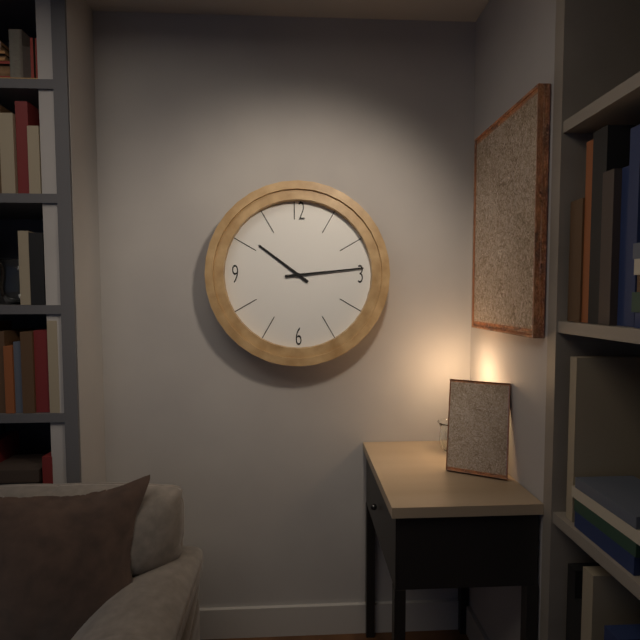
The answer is 10:14
